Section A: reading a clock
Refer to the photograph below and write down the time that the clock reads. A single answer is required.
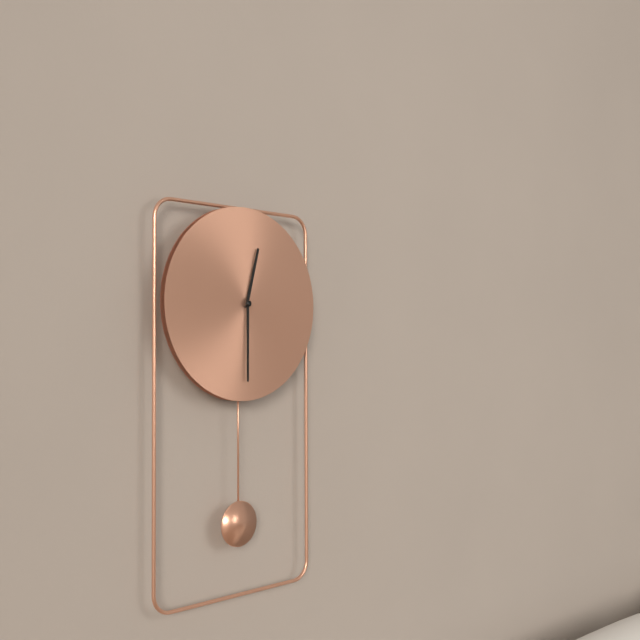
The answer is 12:30
